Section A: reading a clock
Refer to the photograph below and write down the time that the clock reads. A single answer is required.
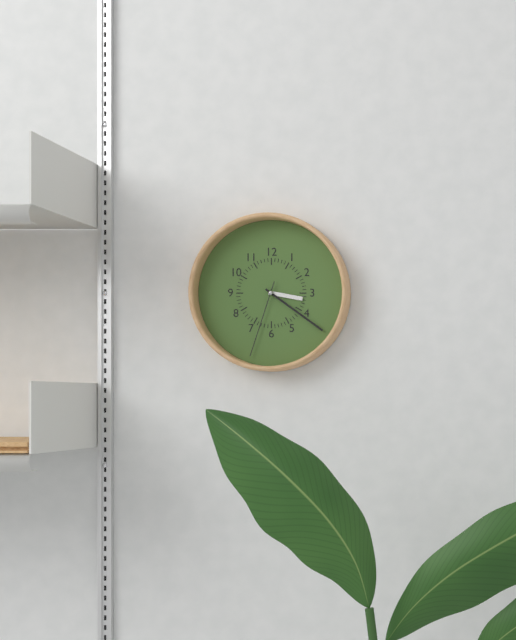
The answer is 3:21:33
